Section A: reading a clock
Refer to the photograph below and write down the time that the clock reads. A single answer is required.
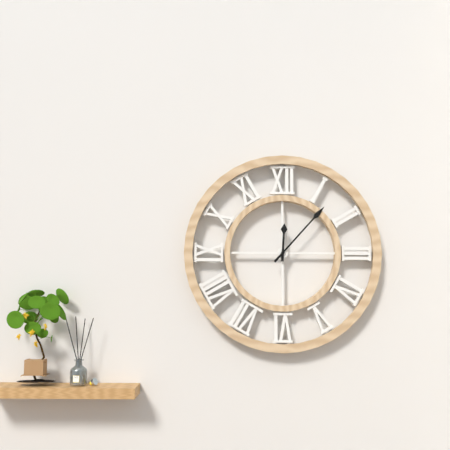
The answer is 12:07
